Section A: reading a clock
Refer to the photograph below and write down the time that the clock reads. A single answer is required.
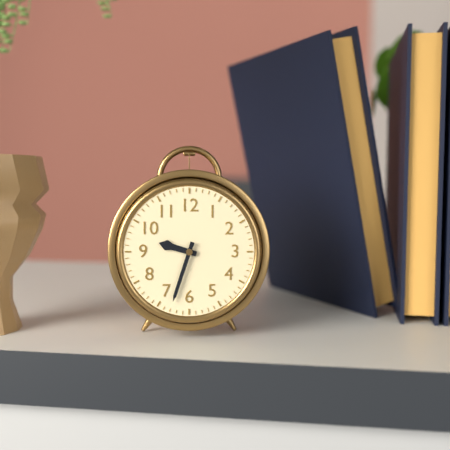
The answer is 9:33
